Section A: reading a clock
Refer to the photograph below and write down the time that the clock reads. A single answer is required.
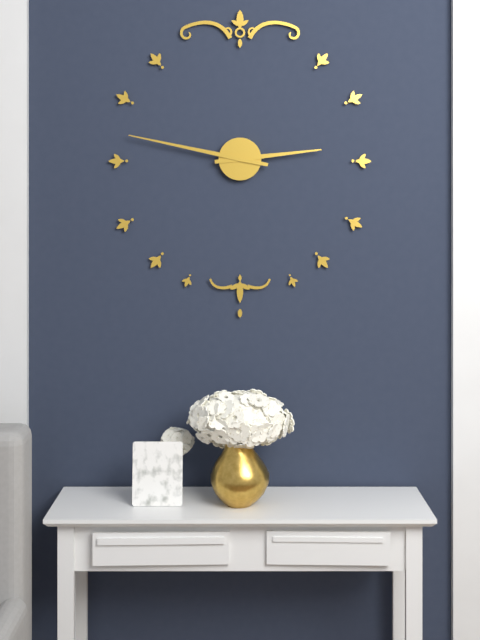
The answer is 2:47
